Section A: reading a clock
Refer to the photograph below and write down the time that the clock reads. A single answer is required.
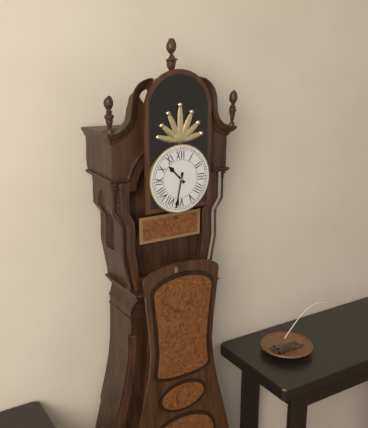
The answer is 10:32
